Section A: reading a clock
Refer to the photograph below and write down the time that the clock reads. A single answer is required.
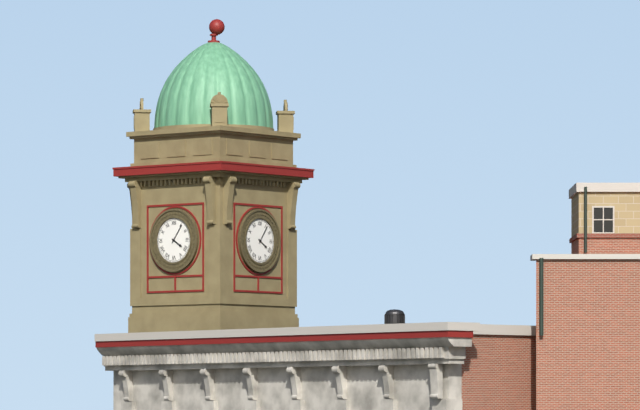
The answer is 4:06
